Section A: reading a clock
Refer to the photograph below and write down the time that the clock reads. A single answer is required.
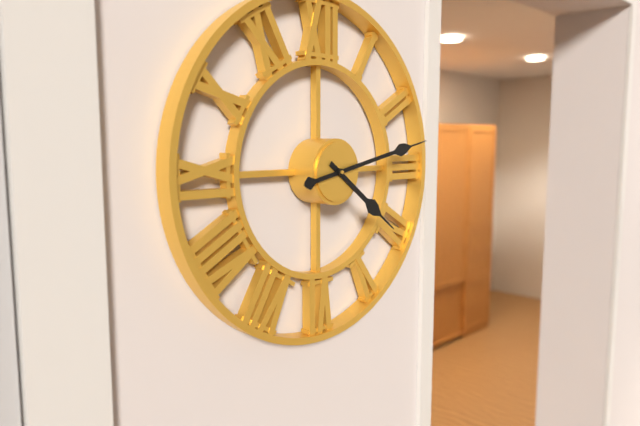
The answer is 4:13
